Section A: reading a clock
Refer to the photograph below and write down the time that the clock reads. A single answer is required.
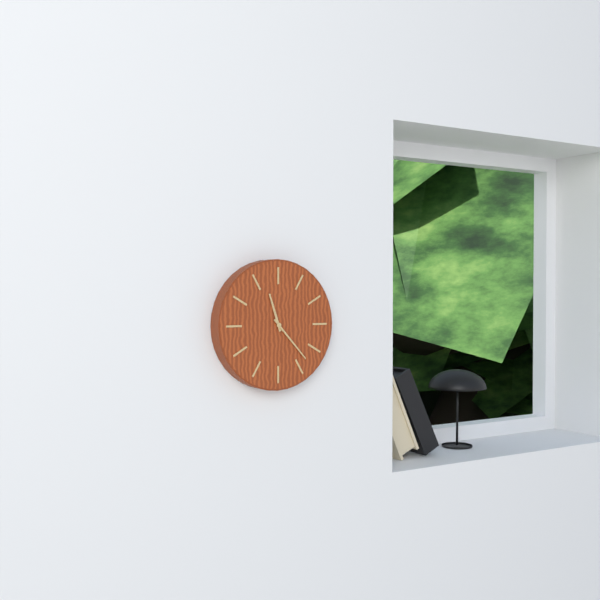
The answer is 11:23
